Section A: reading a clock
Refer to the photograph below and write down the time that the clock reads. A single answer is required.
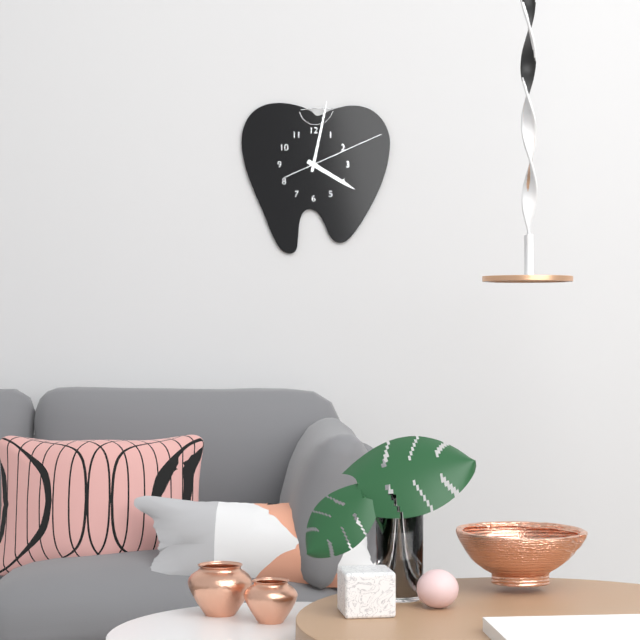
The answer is 4:02:11
